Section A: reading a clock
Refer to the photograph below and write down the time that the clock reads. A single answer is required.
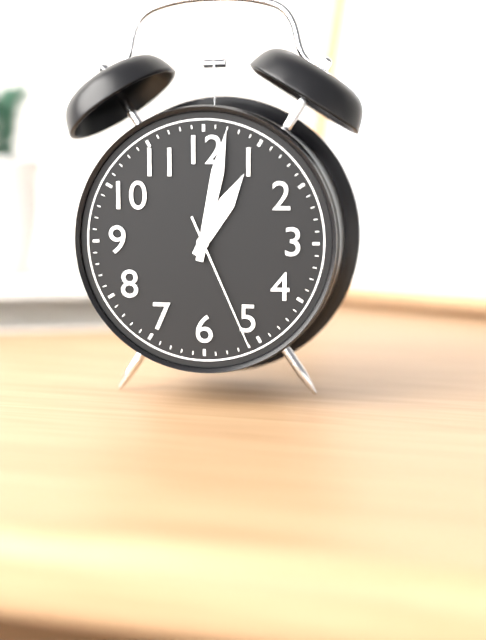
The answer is 1:02:26
